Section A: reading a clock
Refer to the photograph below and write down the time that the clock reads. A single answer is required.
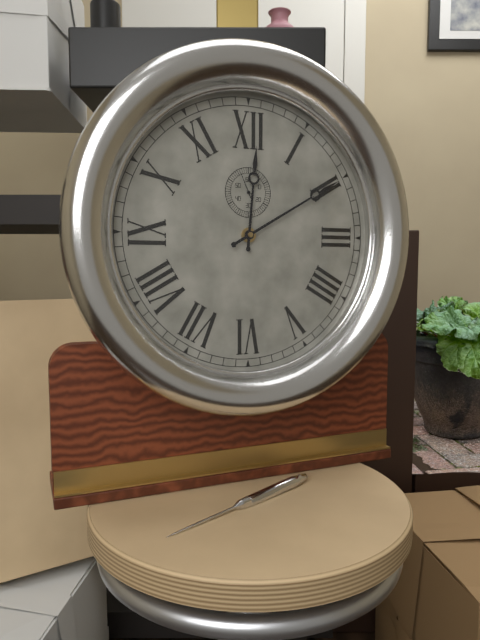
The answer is 12:10
